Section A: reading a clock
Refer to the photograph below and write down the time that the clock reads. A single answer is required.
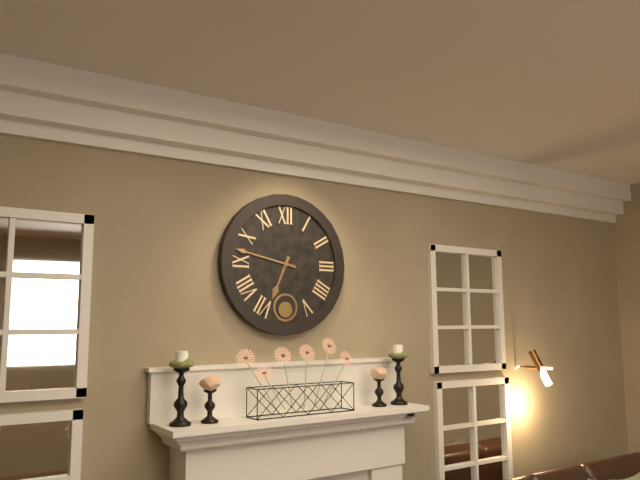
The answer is 6:47
